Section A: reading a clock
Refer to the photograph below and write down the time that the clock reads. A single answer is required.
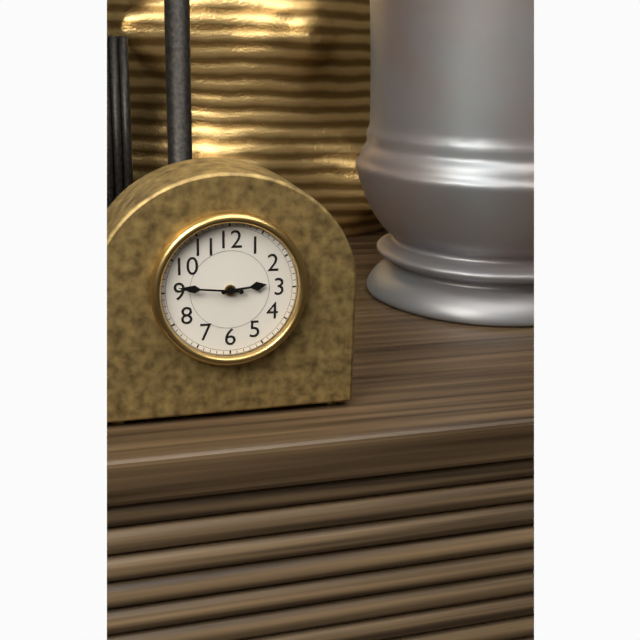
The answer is 2:46
